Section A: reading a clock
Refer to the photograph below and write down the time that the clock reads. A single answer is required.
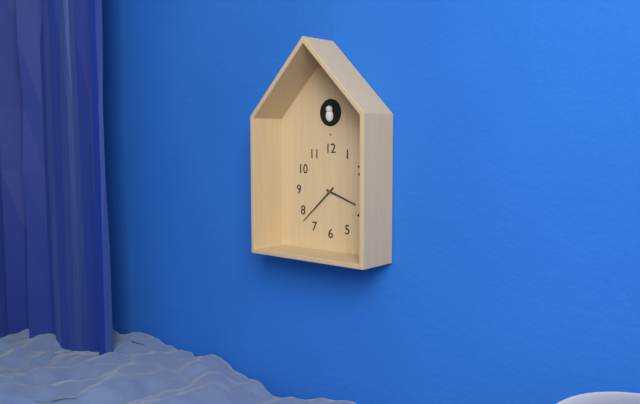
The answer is 3:38
